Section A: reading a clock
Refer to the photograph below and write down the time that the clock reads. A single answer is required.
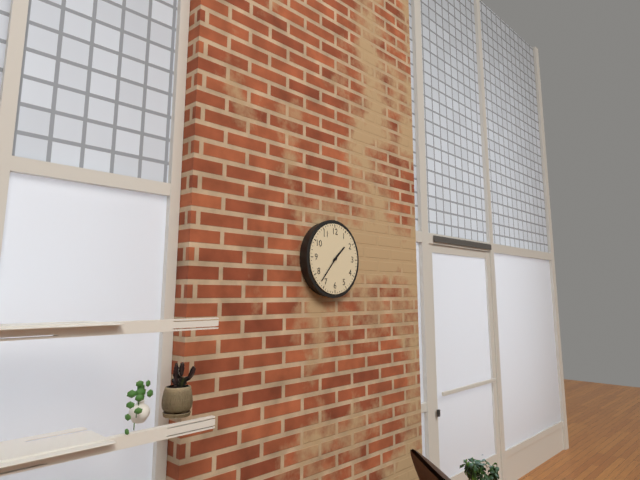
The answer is 1:37
